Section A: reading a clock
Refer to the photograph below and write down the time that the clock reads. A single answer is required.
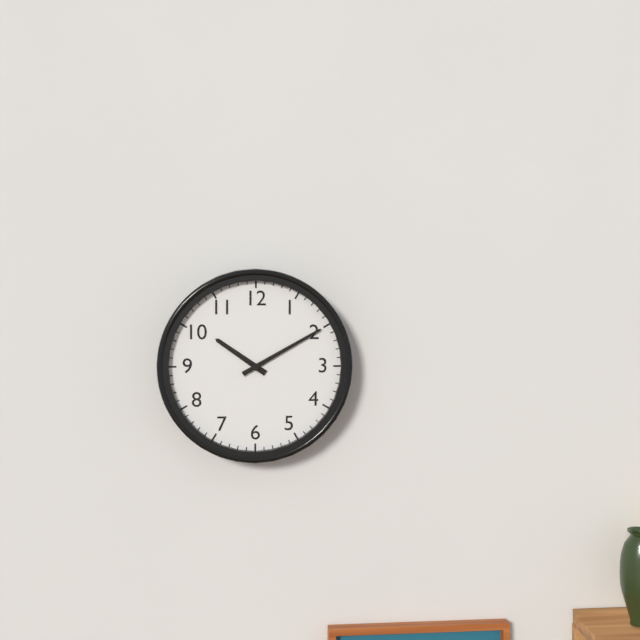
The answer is 10:10
